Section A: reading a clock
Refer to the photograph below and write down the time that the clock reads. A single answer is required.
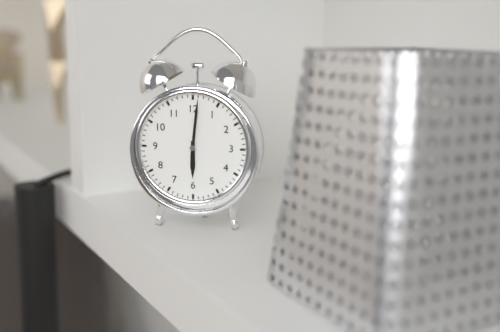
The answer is 6:01
